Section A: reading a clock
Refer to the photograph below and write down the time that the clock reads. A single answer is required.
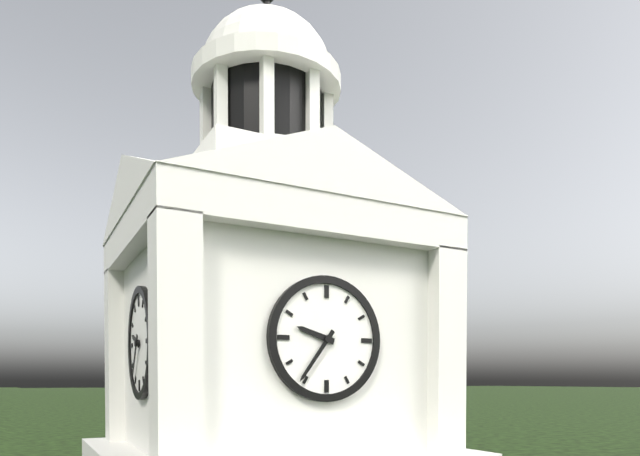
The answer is 9:36
